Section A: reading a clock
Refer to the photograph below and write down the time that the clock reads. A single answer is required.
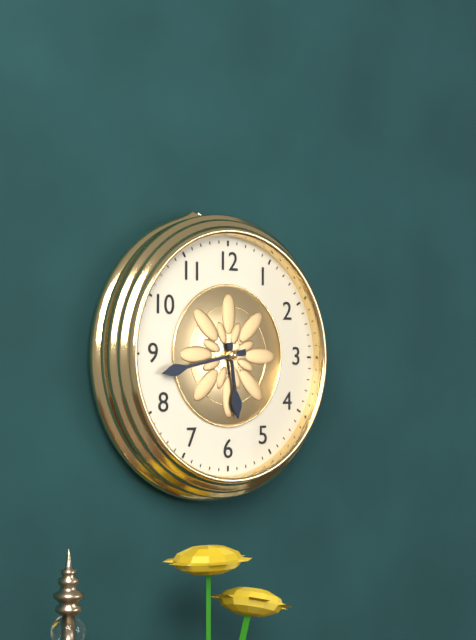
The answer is 5:43
